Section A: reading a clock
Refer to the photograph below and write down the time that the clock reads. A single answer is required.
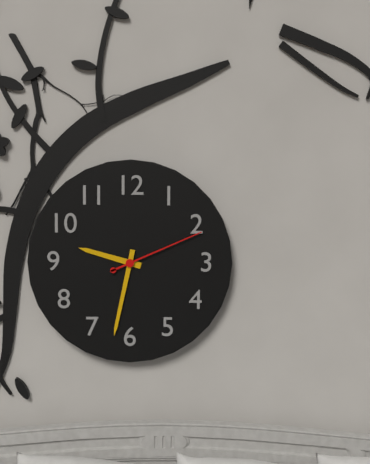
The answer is 9:32:11
